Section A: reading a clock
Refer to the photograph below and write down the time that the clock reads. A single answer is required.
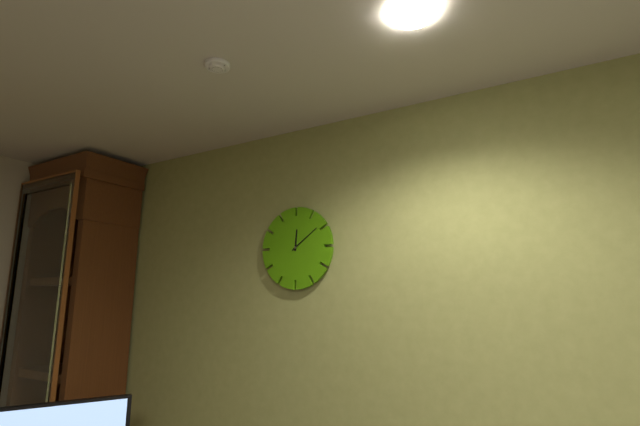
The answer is 12:09
